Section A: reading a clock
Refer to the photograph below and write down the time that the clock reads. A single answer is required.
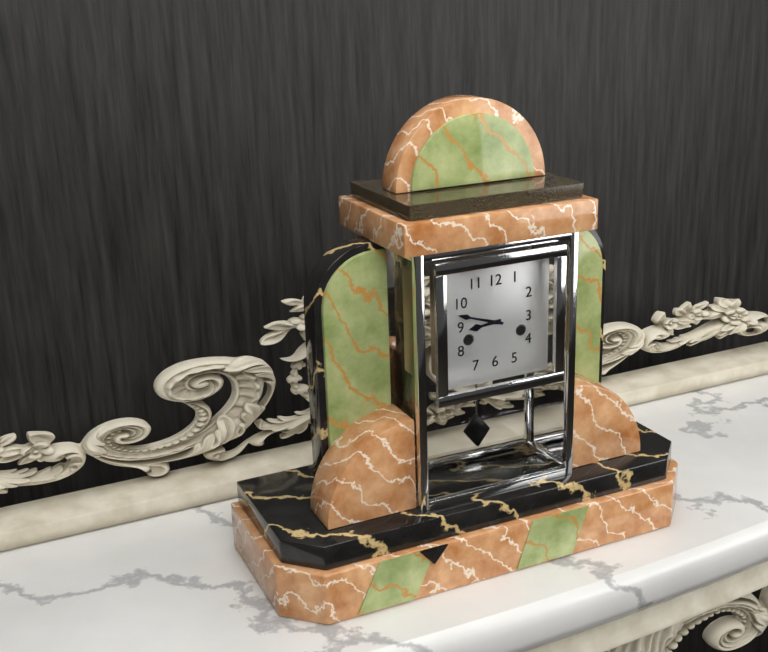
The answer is 8:48
